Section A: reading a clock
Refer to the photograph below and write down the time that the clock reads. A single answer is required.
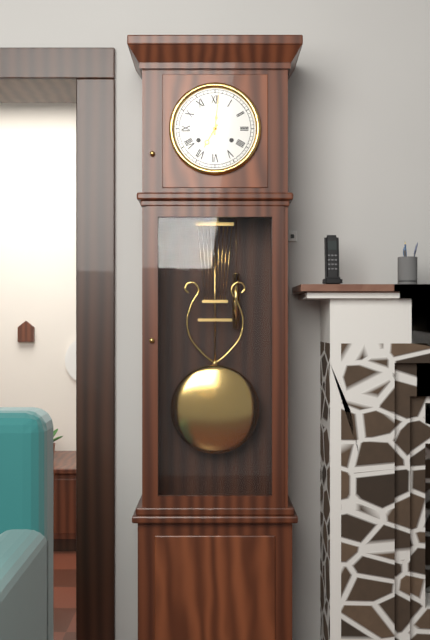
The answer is 7:01
